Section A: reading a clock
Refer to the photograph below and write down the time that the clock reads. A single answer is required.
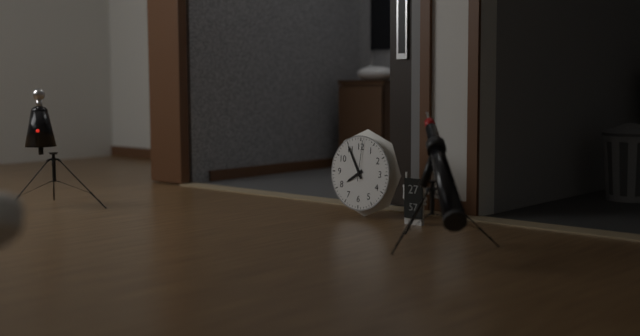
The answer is 7:55
